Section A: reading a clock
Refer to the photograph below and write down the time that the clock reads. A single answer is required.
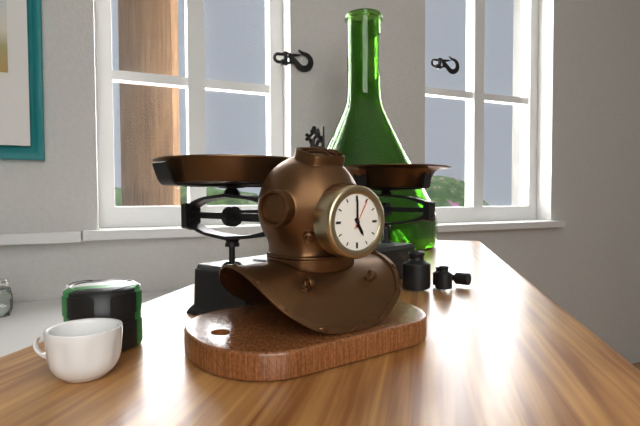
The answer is 5:00
